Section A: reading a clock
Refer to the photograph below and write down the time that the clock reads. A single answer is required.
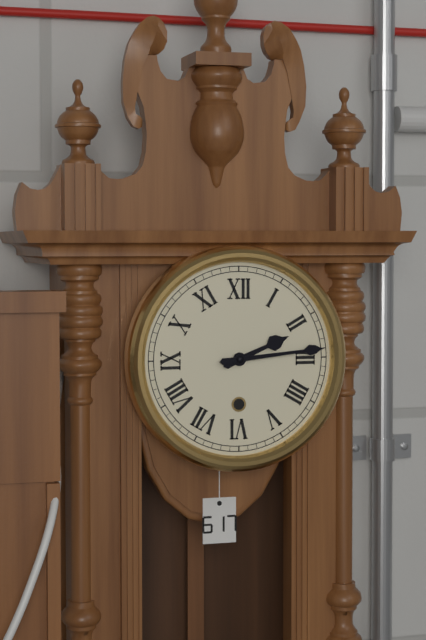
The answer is 2:14
